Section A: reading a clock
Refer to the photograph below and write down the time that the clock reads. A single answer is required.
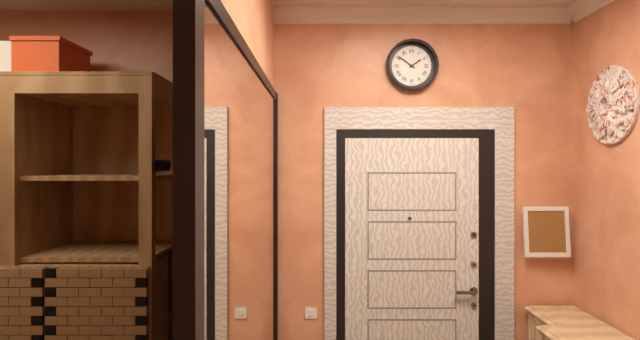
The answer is 1:51
